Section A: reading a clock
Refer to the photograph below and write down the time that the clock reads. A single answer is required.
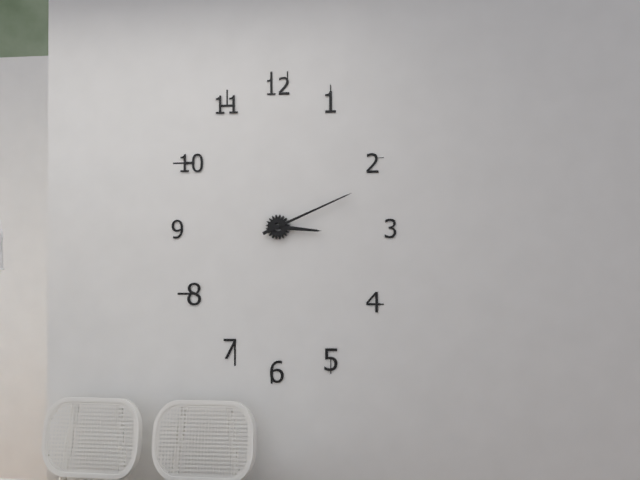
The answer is 3:11
